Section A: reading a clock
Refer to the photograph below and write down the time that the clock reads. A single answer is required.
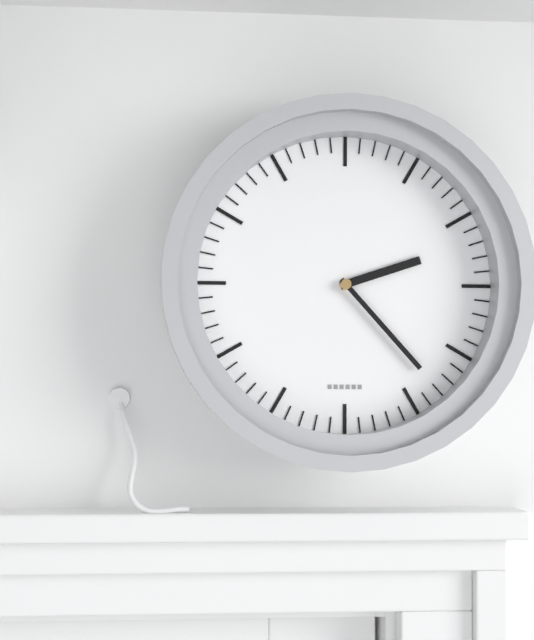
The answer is 2:23
